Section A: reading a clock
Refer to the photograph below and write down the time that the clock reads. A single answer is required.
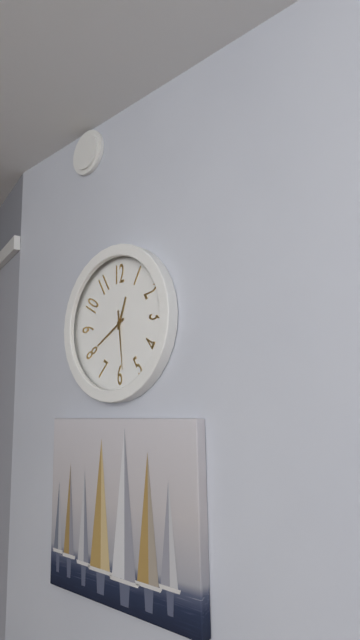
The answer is 12:40:29
